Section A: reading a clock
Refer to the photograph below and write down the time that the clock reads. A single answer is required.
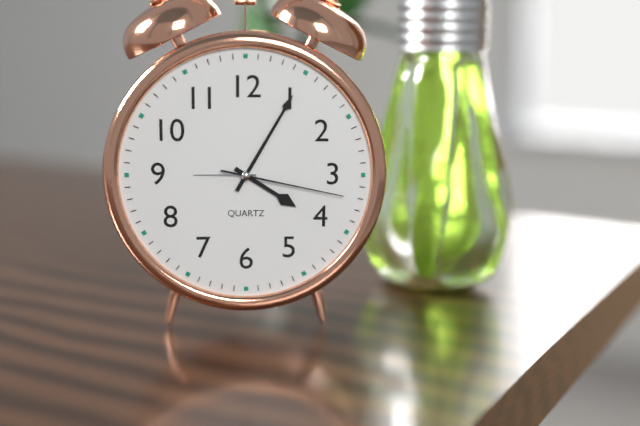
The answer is 4:05:17
